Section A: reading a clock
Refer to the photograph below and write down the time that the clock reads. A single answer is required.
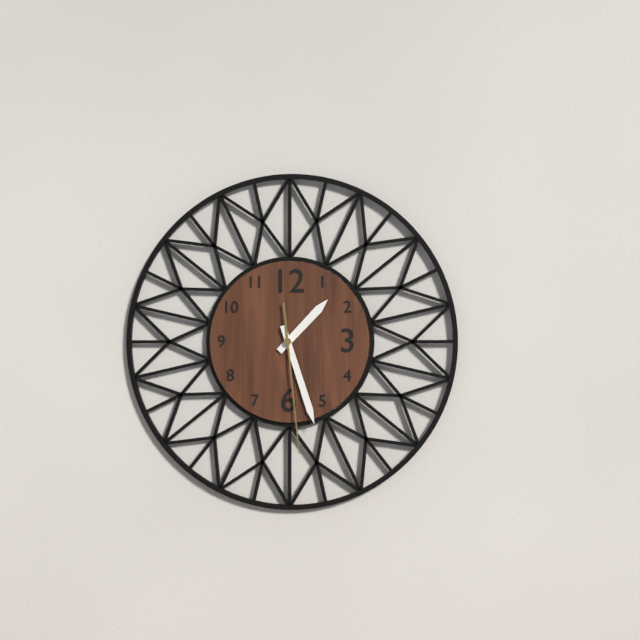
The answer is 1:27:29
